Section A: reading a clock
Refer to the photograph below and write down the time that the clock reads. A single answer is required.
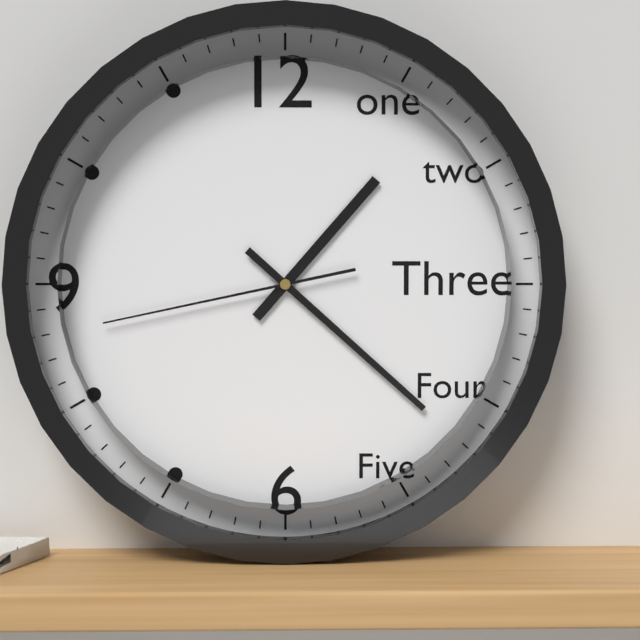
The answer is 1:22:43
